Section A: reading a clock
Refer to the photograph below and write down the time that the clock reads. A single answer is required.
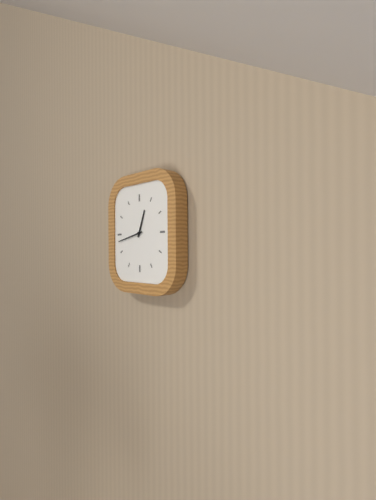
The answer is 12:43
